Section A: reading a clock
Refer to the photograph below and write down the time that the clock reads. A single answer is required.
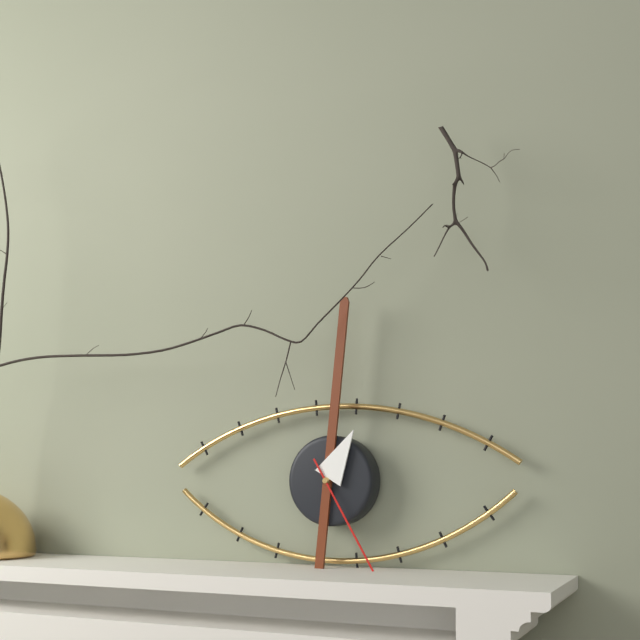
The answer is 1:01:25
